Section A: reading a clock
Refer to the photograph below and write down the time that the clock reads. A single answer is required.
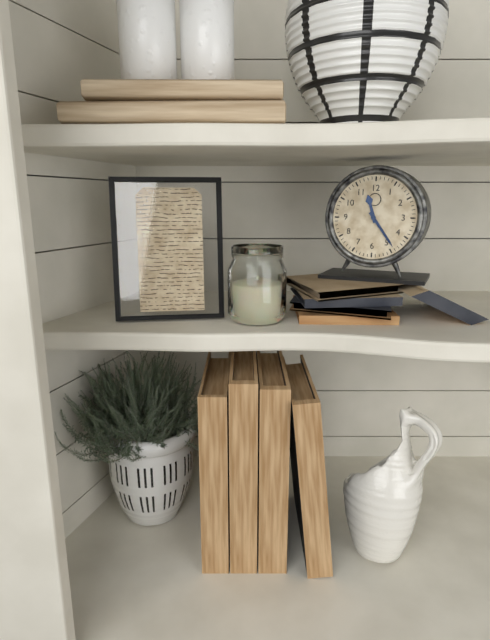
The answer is 11:24
